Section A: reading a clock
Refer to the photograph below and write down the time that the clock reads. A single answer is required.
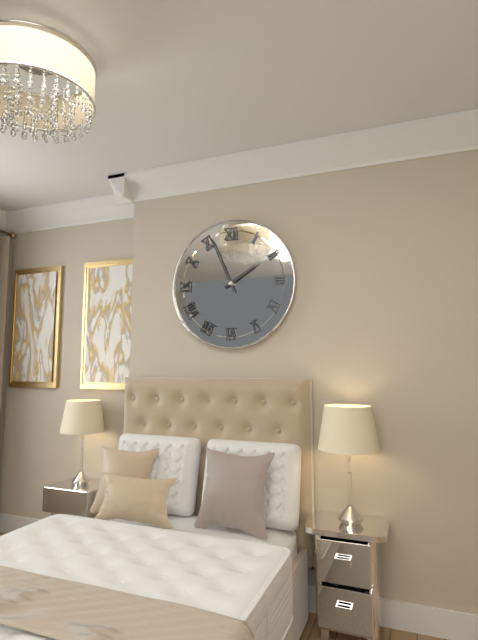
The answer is 1:56
